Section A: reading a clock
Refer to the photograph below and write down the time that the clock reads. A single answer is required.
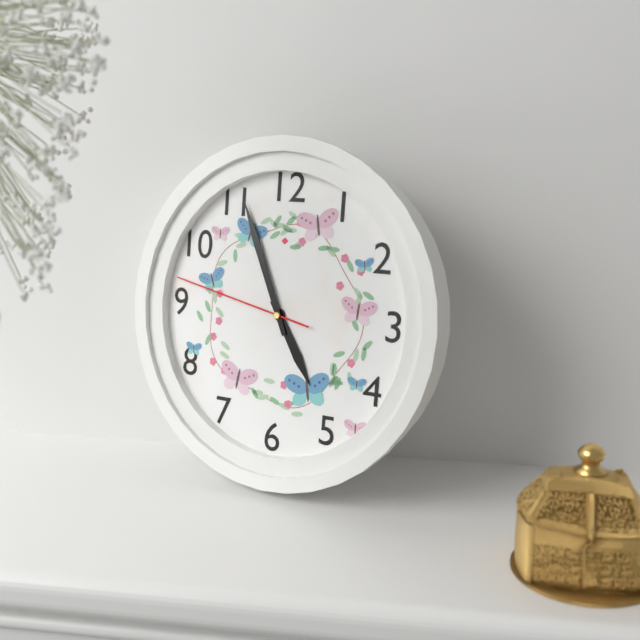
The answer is 4:56:47
